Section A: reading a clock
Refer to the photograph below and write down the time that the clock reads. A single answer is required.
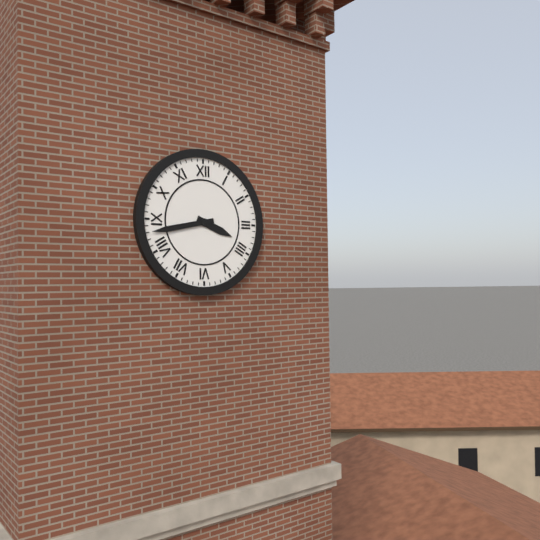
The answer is 3:43
